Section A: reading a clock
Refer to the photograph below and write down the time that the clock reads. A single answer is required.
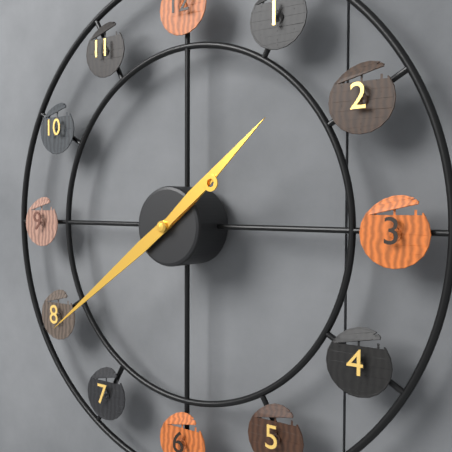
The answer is 1:39
